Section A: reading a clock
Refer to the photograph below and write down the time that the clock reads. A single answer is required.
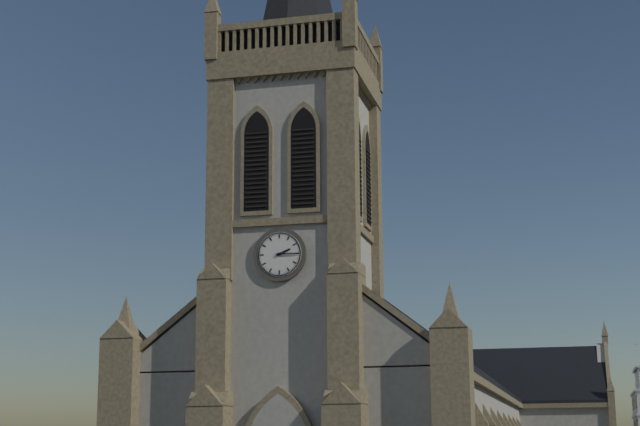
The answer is 2:15
